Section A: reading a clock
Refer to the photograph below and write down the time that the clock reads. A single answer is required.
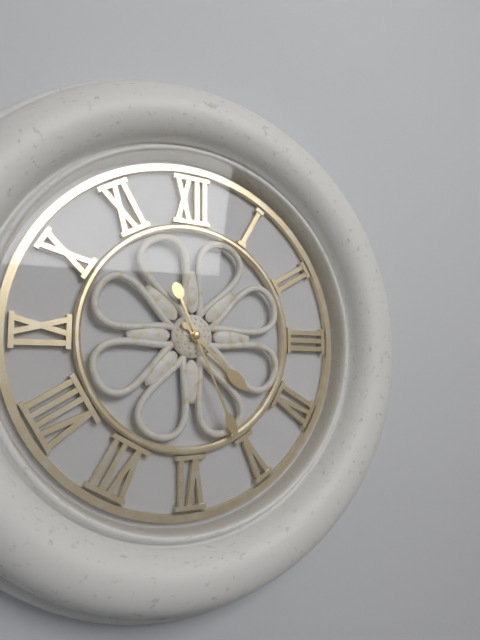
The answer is 4:26
